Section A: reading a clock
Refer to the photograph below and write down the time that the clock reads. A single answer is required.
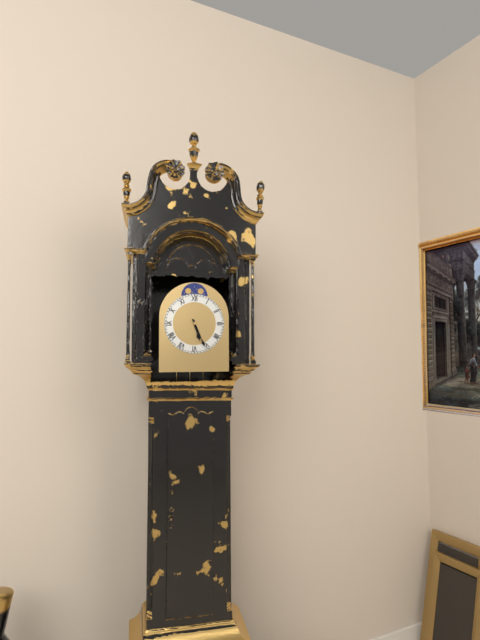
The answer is 5:26
